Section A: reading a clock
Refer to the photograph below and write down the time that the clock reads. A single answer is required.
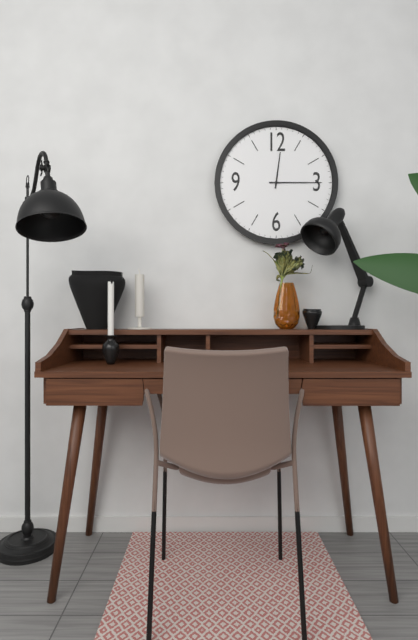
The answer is 12:15
